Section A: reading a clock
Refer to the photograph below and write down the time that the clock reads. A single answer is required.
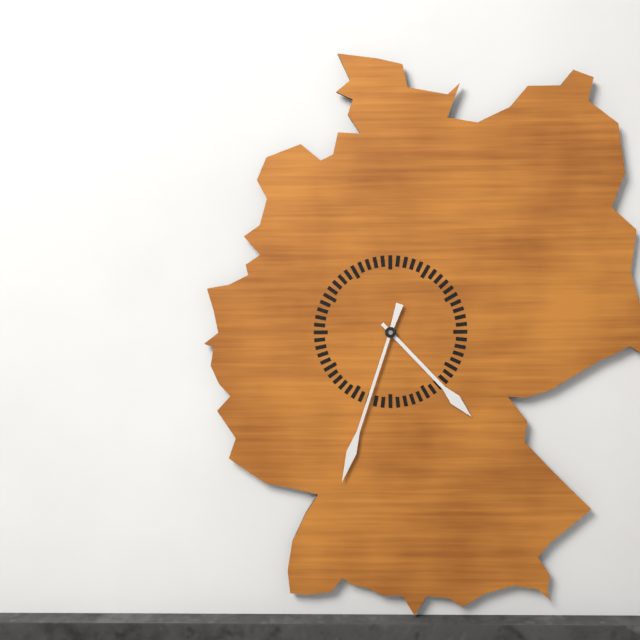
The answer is 4:33
